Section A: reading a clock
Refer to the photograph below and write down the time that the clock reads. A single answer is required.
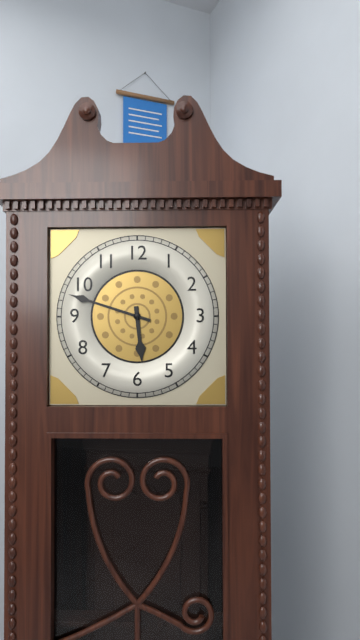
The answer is 5:48
